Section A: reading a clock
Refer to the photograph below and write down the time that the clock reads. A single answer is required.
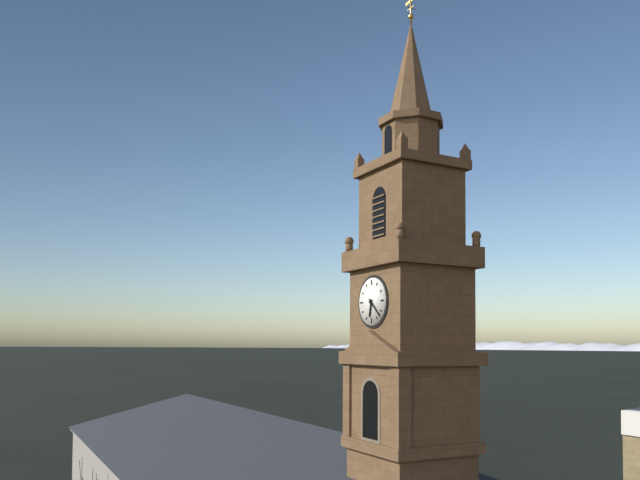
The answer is 6:22
